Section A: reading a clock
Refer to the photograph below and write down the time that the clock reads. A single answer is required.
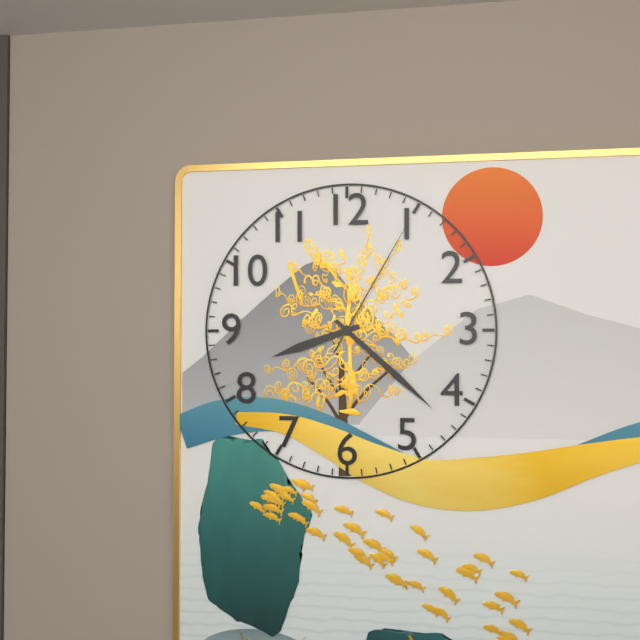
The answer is 8:22:05
